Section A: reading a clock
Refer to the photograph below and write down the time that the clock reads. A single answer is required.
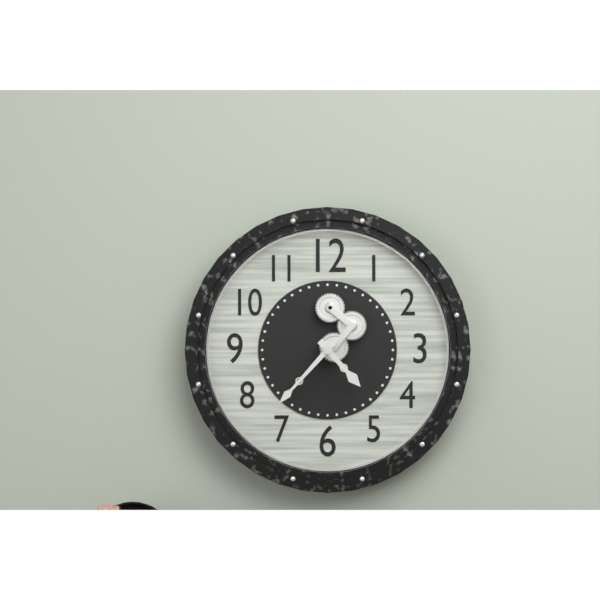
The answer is 4:37
